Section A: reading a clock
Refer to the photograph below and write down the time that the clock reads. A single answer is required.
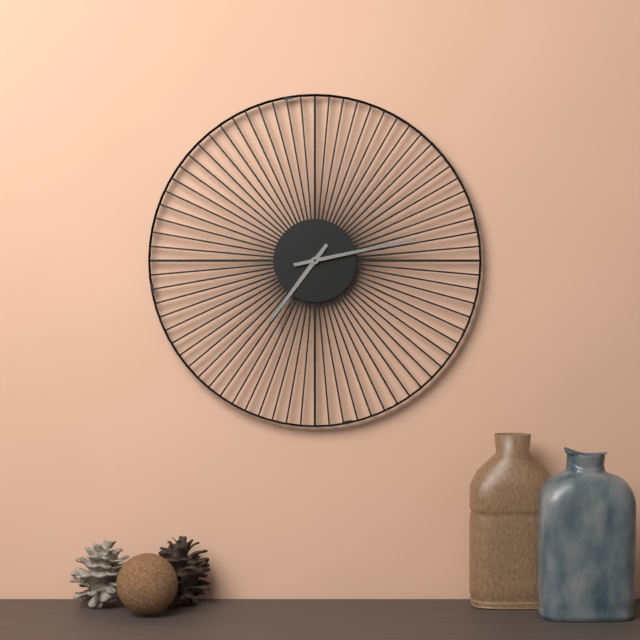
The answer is 7:13
